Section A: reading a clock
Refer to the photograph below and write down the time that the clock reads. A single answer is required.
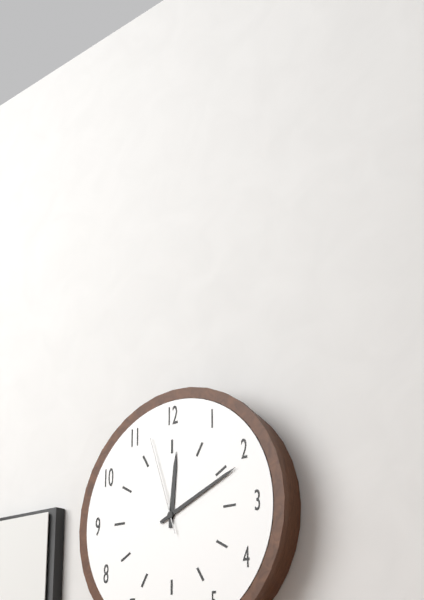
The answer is 12:11:57
